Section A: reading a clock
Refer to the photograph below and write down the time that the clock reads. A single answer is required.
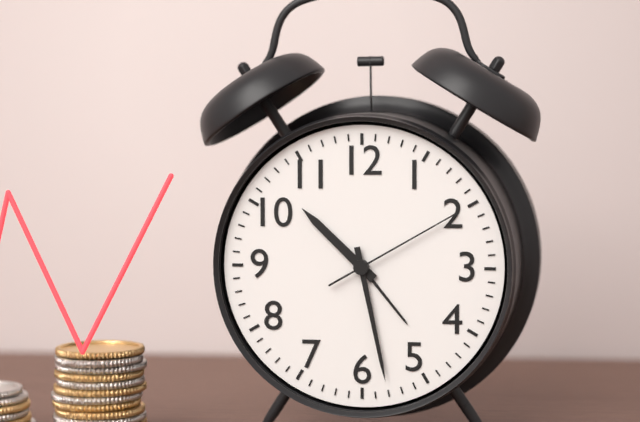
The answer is 10:28:10
